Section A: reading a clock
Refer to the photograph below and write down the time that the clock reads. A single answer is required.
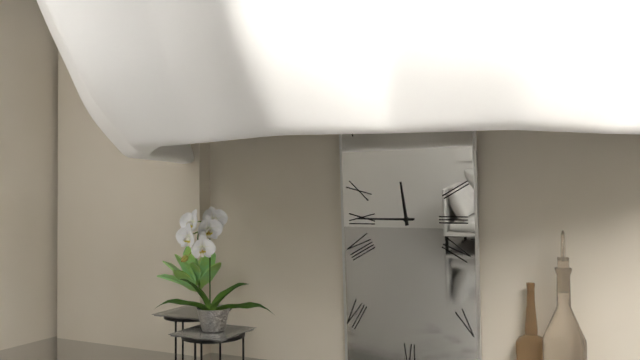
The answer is 11:45
